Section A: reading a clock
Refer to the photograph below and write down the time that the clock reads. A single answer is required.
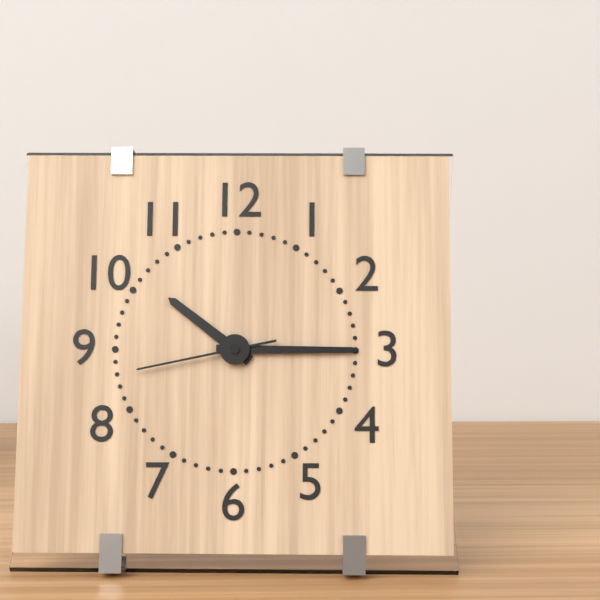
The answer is 10:15:43
